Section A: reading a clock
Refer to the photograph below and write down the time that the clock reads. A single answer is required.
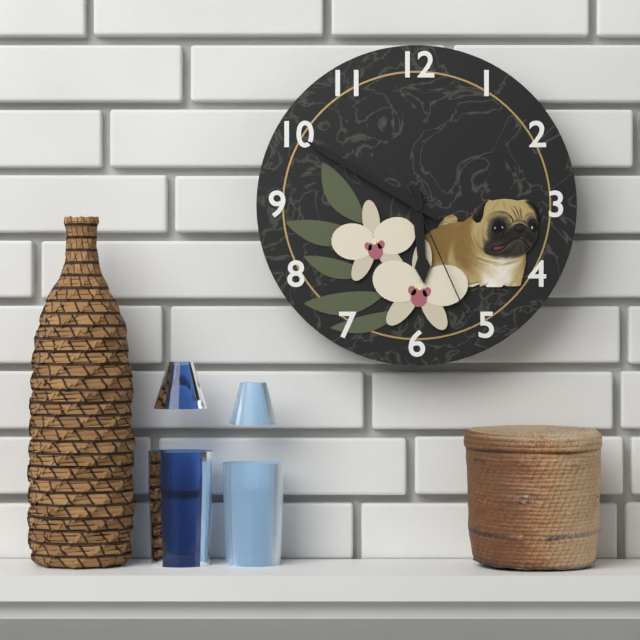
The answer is 5:50:26
